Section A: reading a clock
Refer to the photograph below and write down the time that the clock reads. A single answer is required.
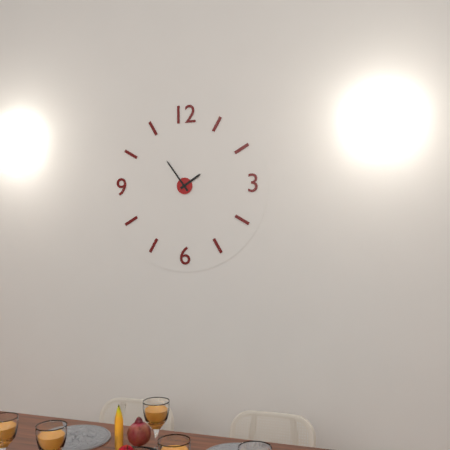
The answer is 1:54
